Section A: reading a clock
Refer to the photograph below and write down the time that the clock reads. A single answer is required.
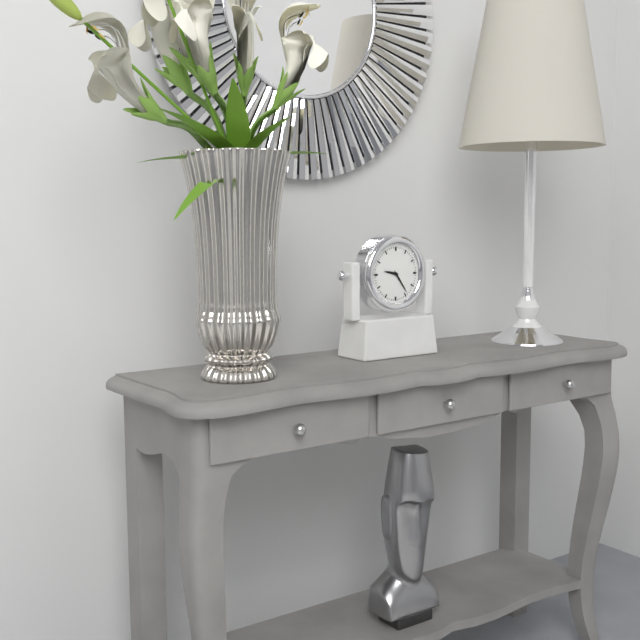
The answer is 9:24
